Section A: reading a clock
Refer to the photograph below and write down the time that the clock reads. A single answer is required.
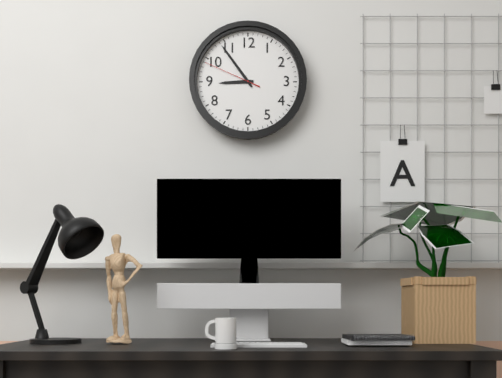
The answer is 8:54:49
